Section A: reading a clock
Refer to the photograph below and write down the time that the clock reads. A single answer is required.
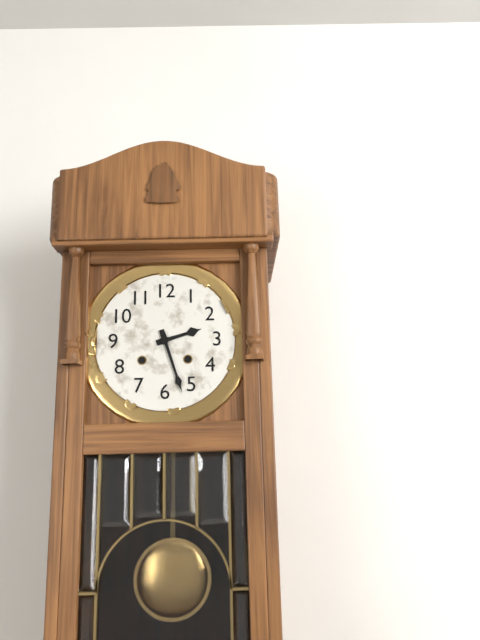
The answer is 2:27
